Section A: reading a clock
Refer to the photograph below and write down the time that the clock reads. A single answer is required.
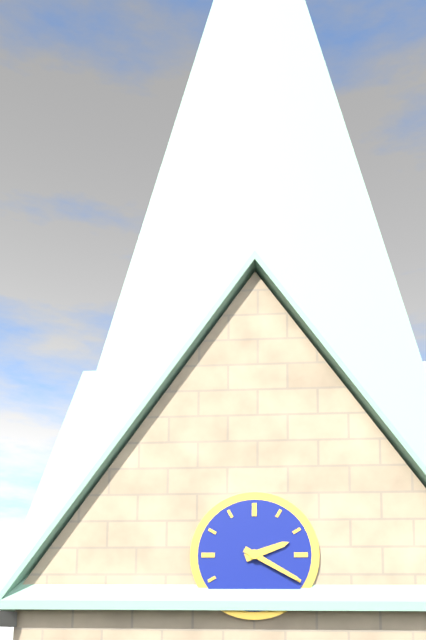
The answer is 2:20
